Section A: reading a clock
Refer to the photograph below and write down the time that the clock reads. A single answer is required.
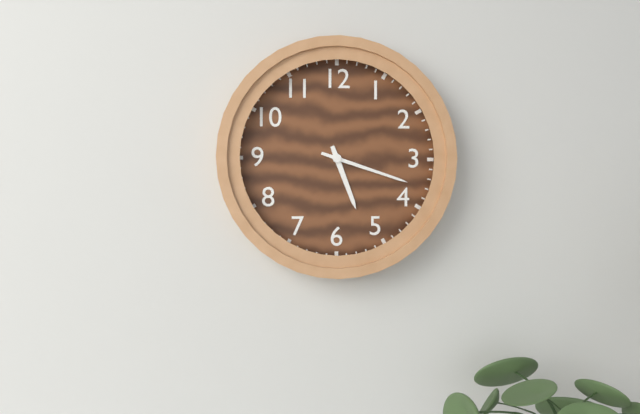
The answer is 5:18
